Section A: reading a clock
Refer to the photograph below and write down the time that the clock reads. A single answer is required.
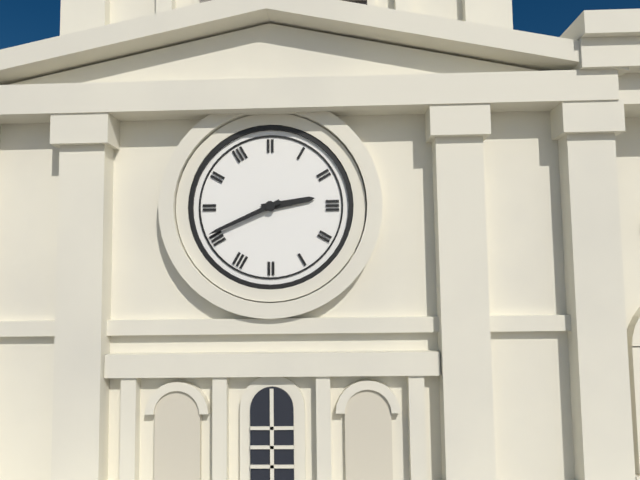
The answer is 2:41
